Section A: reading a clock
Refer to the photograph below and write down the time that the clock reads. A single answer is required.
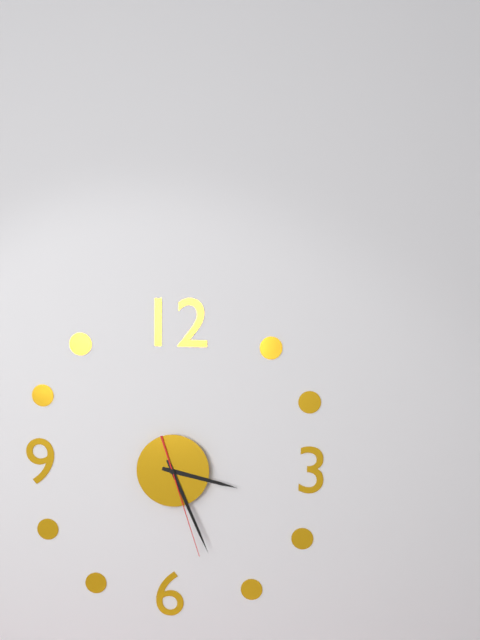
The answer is 3:26:27
